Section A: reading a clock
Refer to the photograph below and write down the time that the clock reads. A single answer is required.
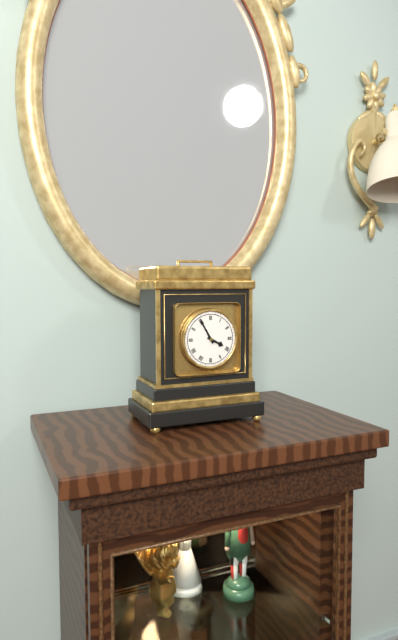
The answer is 3:55
